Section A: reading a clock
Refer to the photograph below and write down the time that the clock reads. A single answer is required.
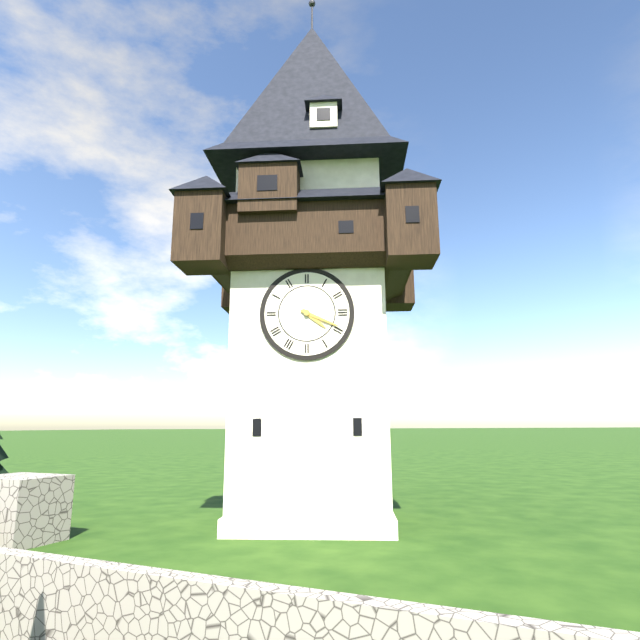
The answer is 4:19
